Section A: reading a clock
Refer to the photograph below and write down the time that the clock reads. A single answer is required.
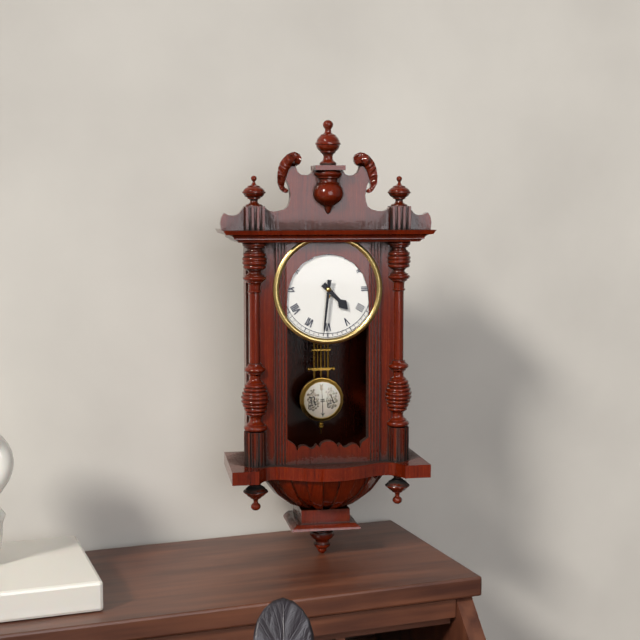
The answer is 4:31
